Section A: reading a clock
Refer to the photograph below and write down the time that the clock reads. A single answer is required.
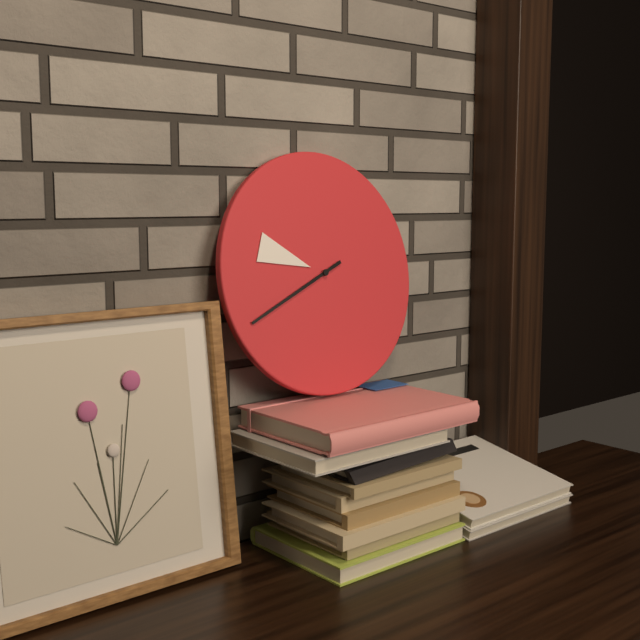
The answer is 9:41
